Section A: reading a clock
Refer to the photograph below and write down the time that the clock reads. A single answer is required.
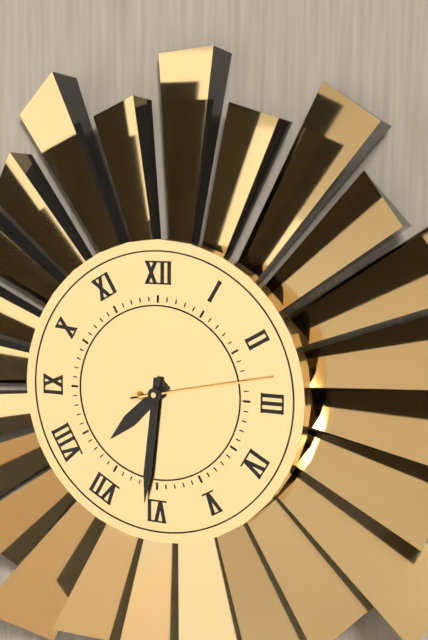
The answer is 7:31:13
